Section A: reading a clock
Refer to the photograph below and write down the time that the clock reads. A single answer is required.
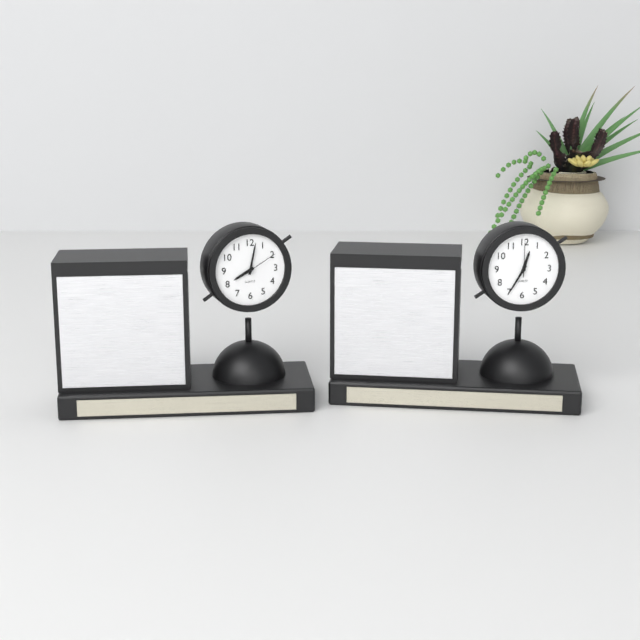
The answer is 8:02
